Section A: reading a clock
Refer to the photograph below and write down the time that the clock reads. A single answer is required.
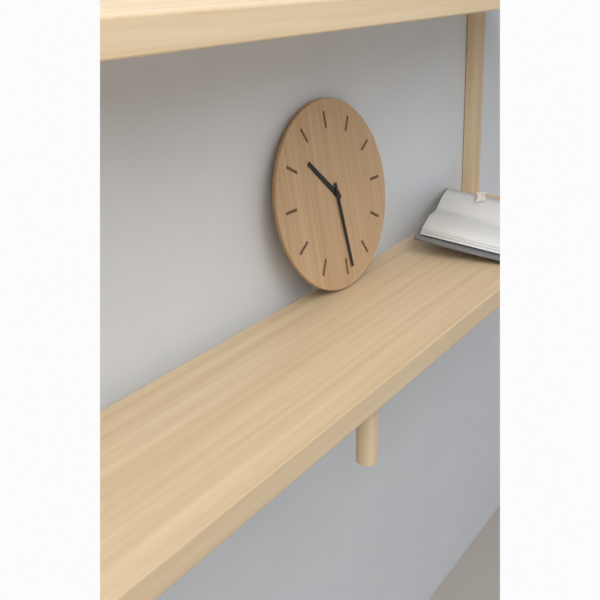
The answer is 10:29
